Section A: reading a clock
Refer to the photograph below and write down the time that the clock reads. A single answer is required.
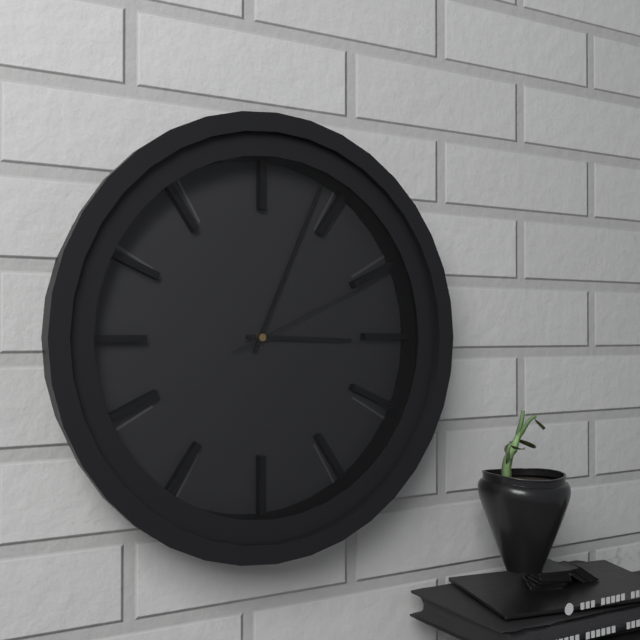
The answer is 3:04:11
